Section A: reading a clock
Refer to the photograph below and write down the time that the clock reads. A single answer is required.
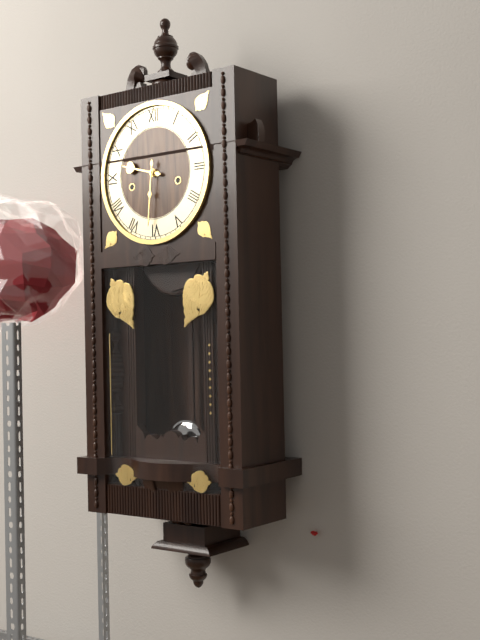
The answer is 9:31
